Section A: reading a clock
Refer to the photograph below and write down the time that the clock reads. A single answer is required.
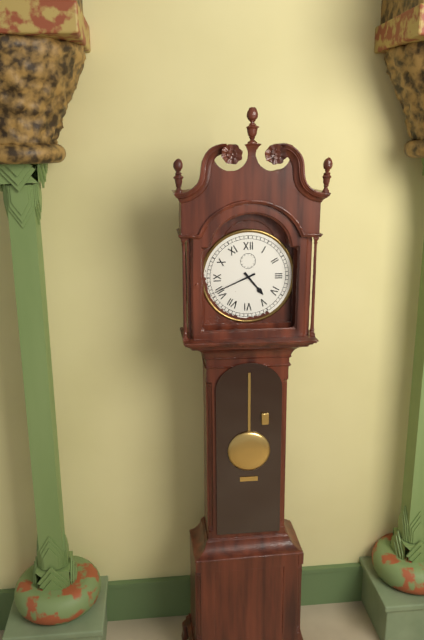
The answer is 4:41
